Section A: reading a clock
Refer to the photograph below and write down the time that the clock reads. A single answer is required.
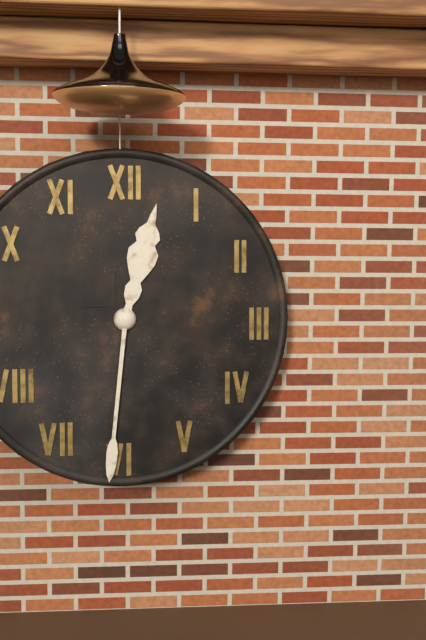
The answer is 12:31
